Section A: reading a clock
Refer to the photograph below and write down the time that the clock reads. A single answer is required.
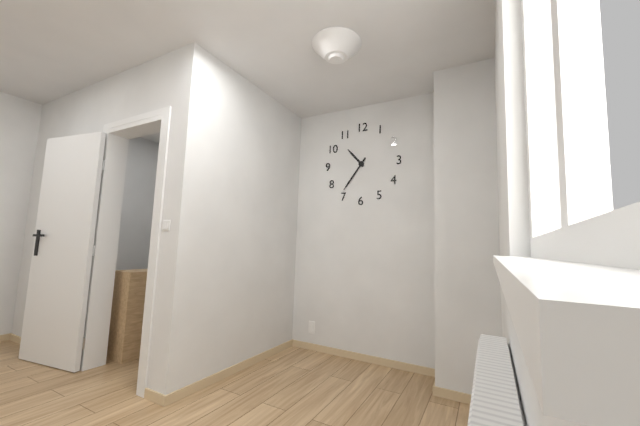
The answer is 10:36
